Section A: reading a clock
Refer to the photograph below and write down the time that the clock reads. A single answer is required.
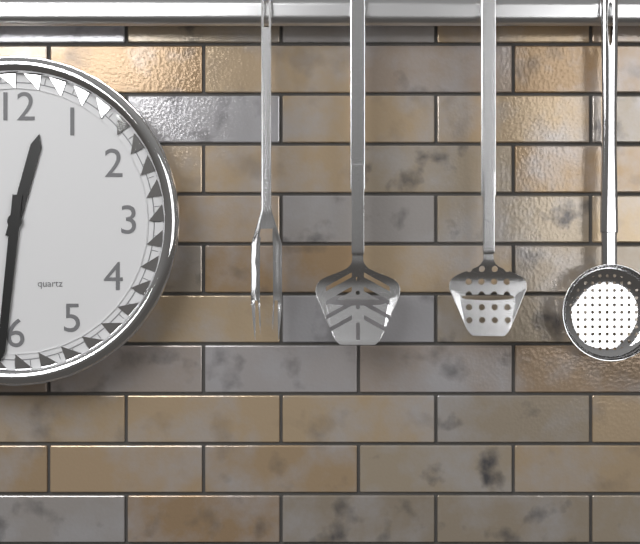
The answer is 12:31
